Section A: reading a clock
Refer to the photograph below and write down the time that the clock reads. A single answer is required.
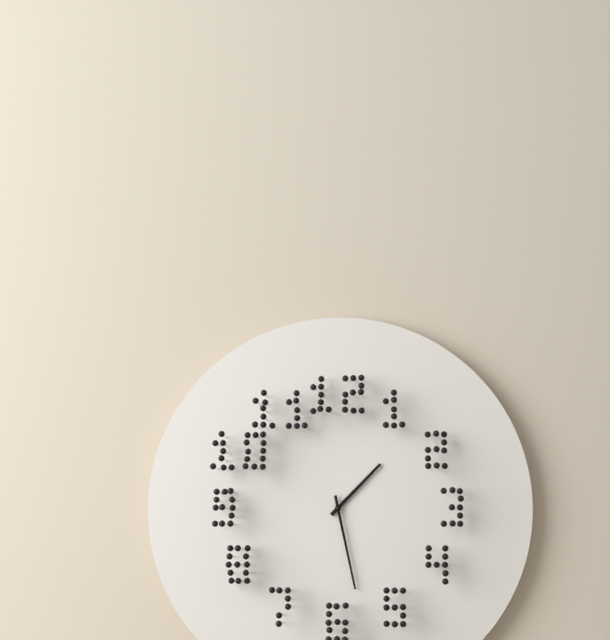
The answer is 1:28
